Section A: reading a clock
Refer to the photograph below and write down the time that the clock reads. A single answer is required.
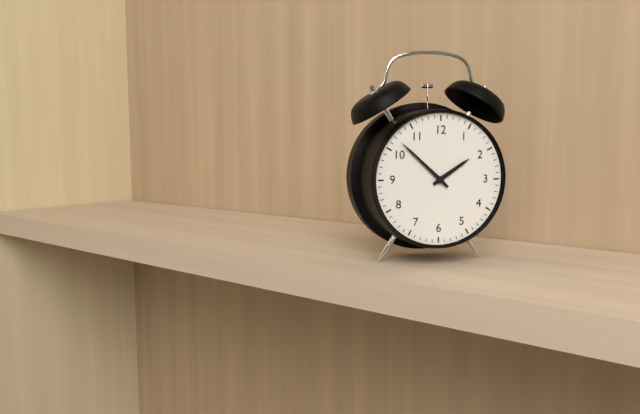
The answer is 1:52
